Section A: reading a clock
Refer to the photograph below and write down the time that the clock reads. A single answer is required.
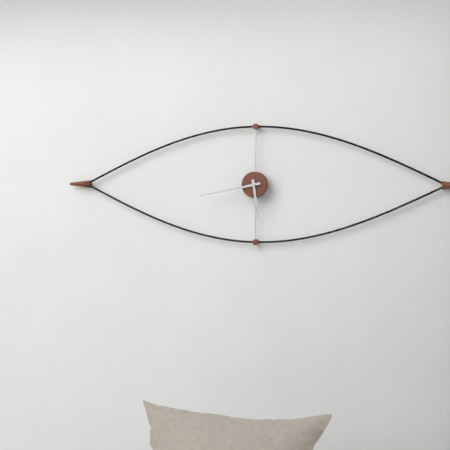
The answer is 5:43
